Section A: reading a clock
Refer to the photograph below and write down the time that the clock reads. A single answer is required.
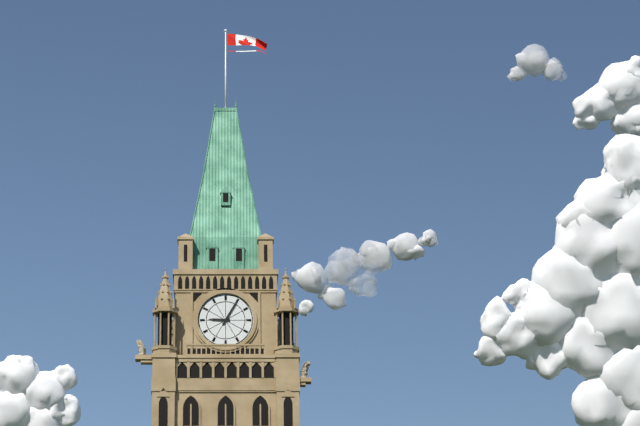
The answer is 9:05
